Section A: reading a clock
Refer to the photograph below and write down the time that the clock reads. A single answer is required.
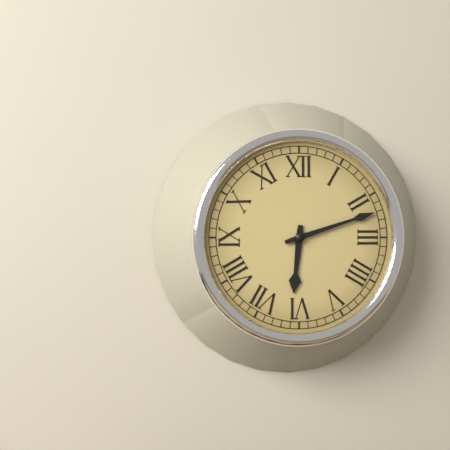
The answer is 6:12
